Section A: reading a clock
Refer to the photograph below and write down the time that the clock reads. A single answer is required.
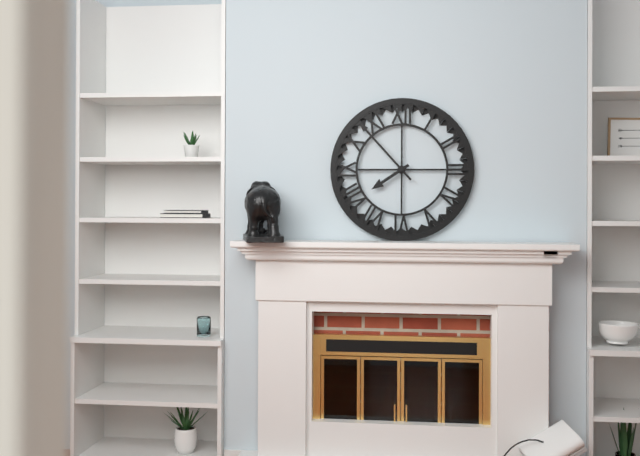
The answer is 7:53
